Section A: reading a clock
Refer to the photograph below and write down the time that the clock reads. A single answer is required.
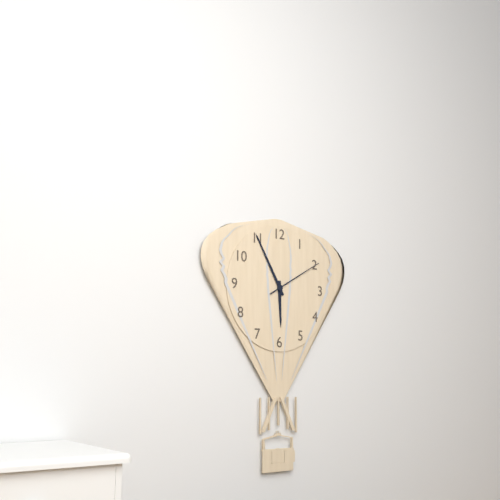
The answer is 5:55:10
